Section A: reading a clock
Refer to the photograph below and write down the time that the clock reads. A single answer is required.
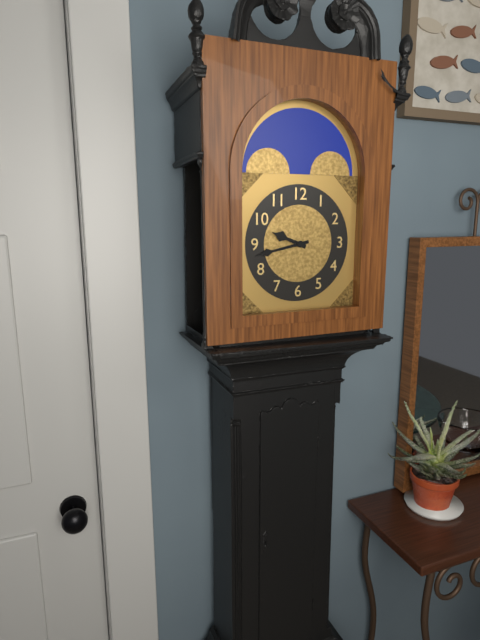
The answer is 9:43
